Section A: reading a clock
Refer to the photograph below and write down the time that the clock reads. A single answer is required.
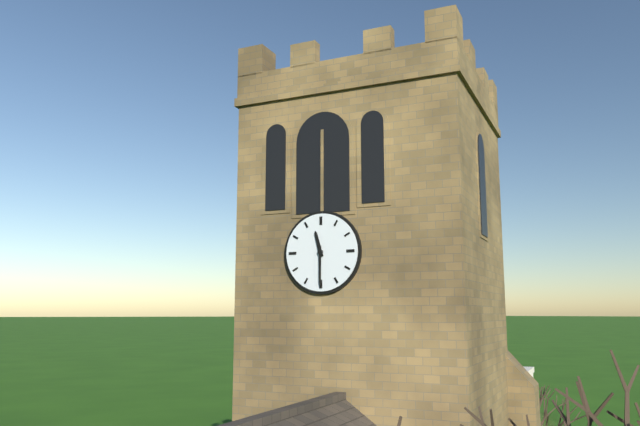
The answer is 11:30
